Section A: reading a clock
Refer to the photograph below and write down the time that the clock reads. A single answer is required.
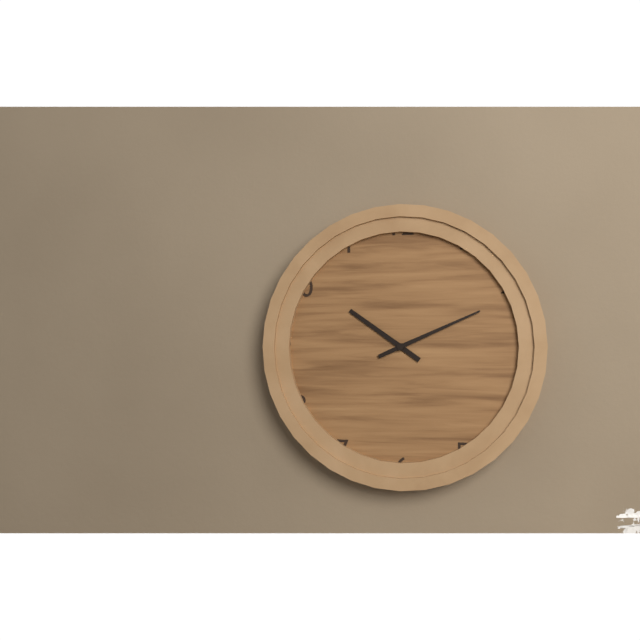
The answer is 10:11
